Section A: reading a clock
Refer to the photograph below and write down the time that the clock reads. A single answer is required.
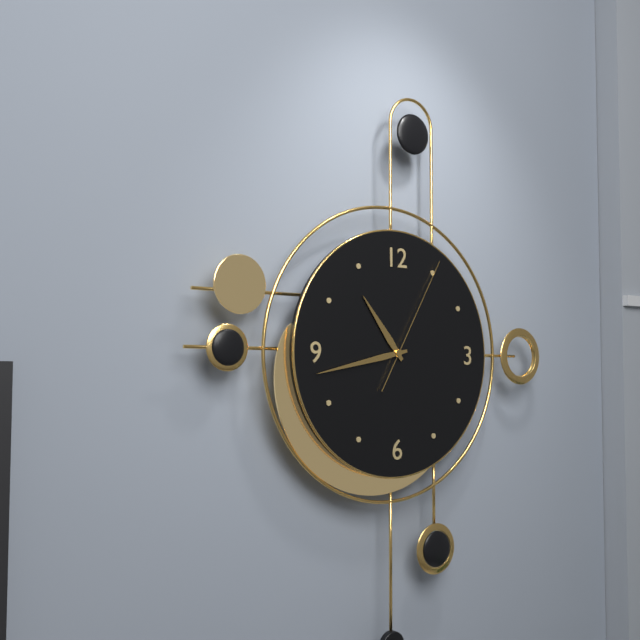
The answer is 10:43:05
